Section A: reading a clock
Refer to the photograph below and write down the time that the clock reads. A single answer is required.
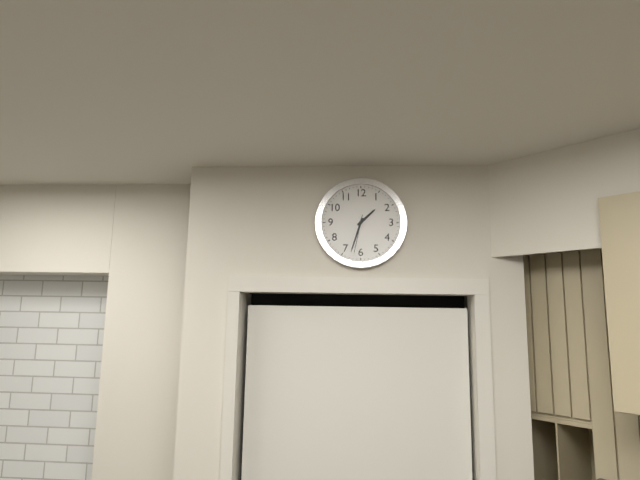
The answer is 1:33
